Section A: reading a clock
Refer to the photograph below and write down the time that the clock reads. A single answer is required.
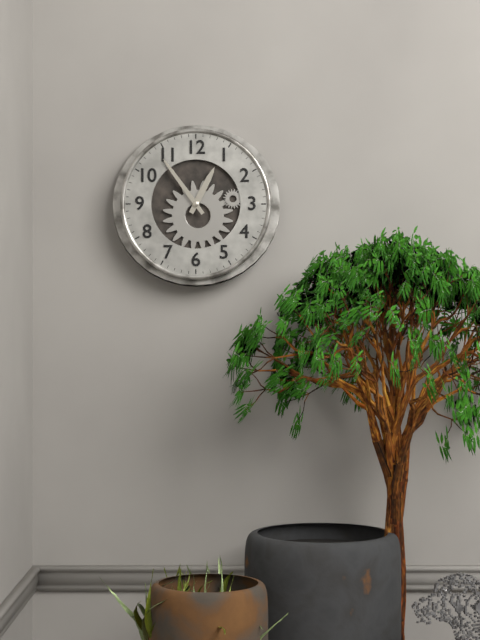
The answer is 12:54
